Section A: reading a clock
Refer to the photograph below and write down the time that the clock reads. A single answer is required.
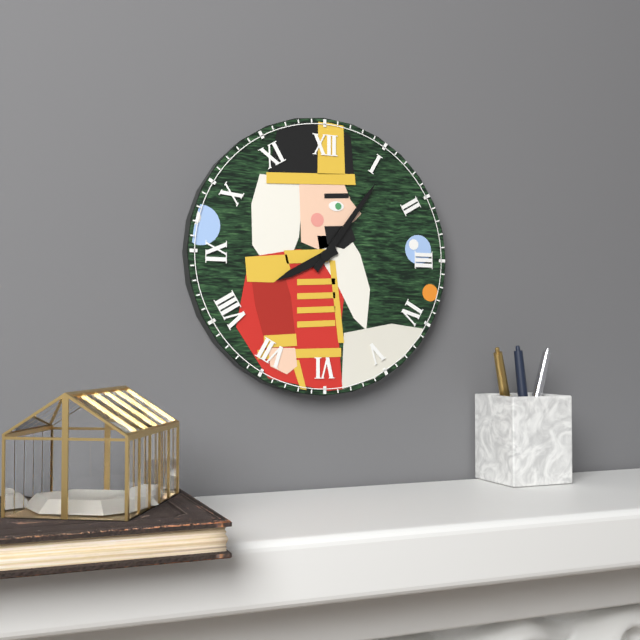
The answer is 8:06
